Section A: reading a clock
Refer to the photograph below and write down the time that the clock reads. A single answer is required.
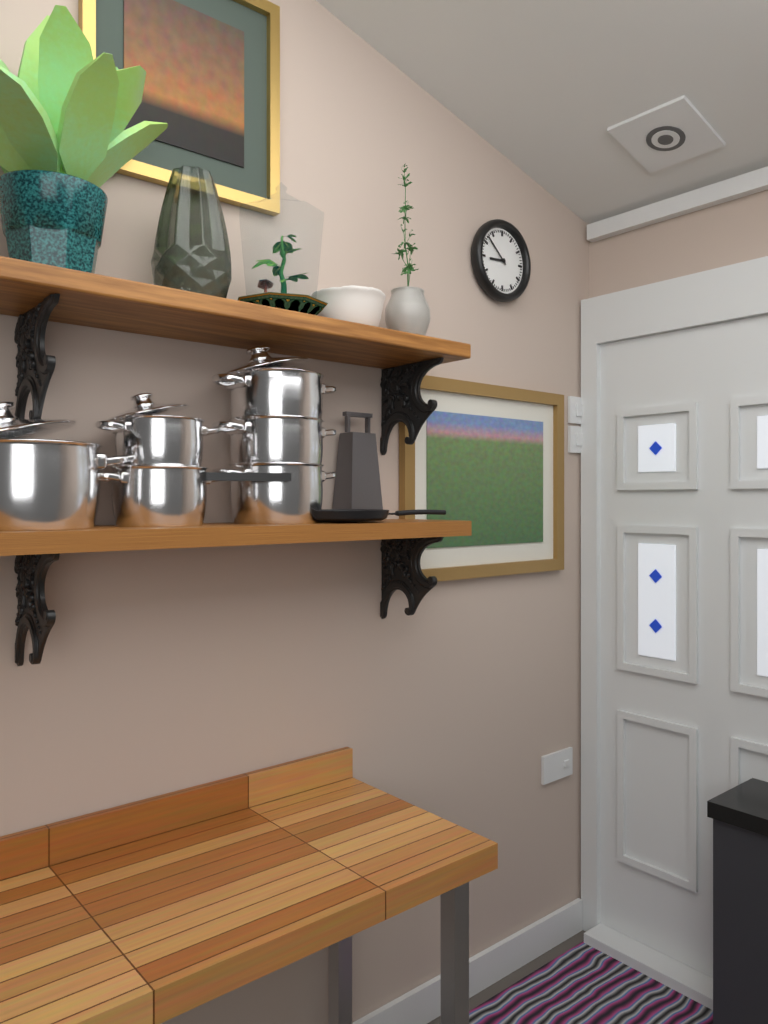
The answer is 8:52
